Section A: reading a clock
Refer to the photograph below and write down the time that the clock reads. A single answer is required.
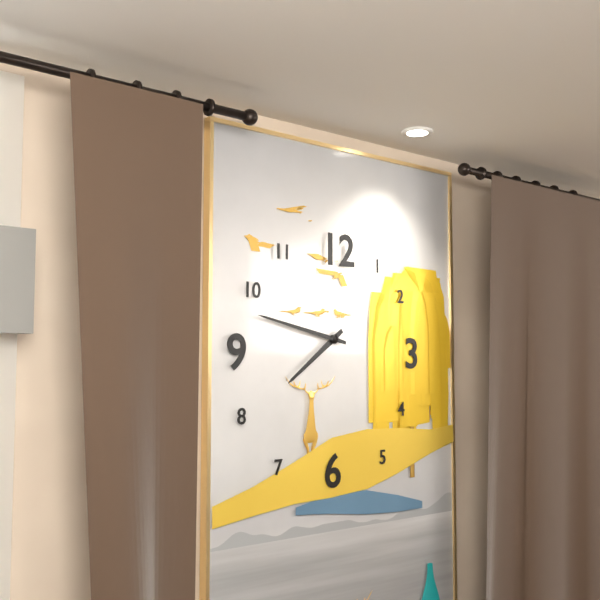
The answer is 7:47
